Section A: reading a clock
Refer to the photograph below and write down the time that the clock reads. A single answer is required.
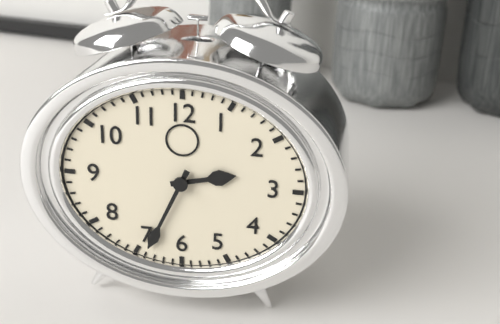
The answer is 2:34
